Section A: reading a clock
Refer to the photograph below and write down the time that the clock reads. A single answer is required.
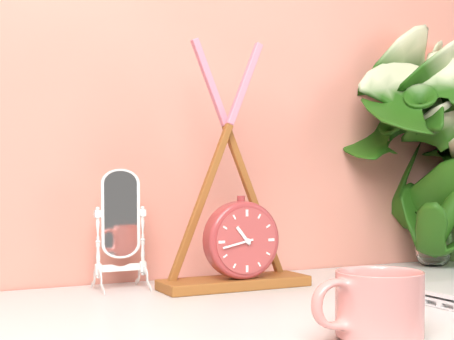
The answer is 10:43
